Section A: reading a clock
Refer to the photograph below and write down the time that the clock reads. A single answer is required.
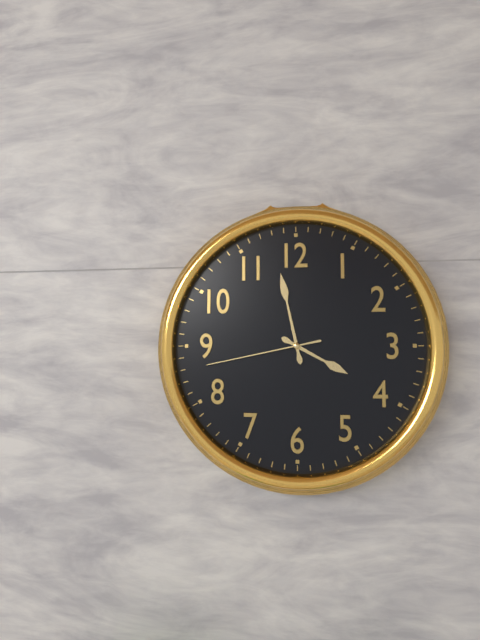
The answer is 3:58:43
